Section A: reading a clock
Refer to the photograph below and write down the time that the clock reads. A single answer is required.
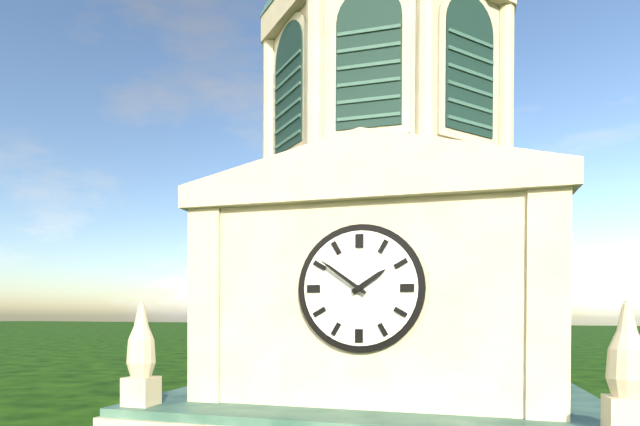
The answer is 1:51
